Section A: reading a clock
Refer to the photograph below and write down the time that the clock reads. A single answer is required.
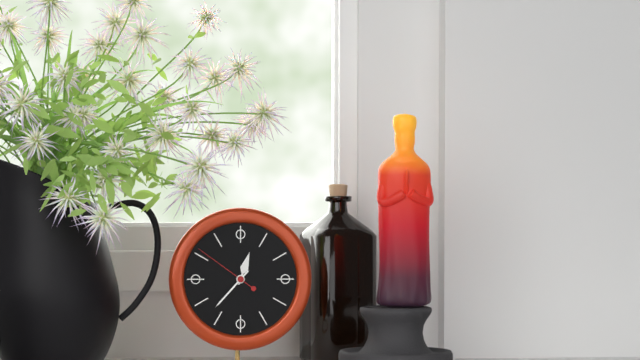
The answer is 12:37:51
